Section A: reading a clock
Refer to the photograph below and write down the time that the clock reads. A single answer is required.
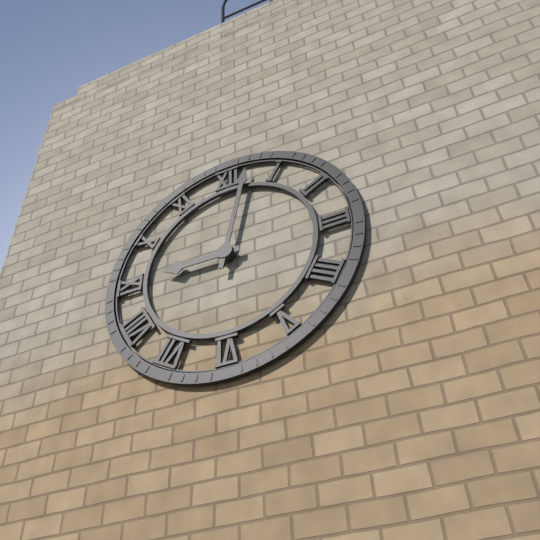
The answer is 9:02
